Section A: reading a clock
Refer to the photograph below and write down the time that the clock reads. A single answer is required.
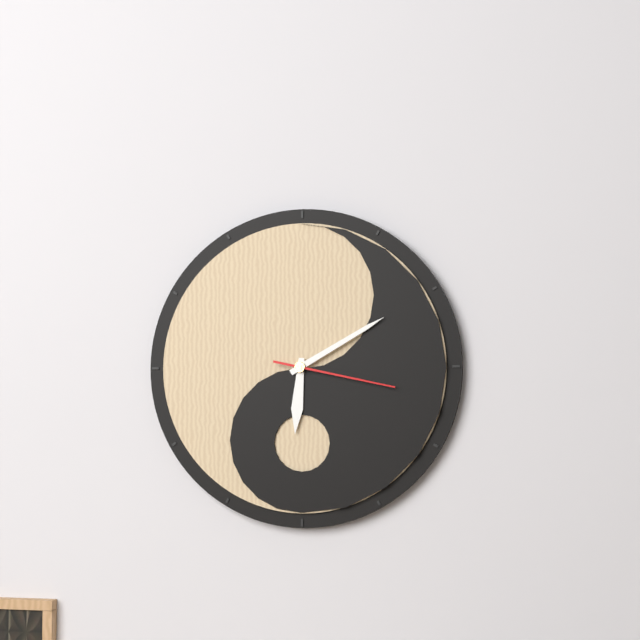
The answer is 6:10:17
